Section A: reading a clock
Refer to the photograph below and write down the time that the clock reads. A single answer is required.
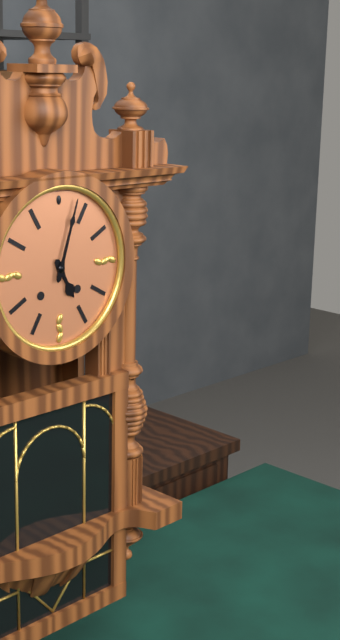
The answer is 5:03
